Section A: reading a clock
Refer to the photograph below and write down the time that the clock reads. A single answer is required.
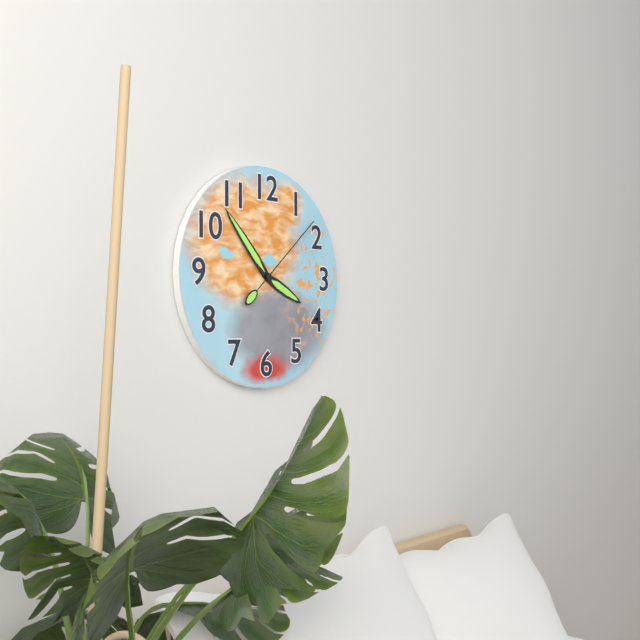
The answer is 3:53:08
